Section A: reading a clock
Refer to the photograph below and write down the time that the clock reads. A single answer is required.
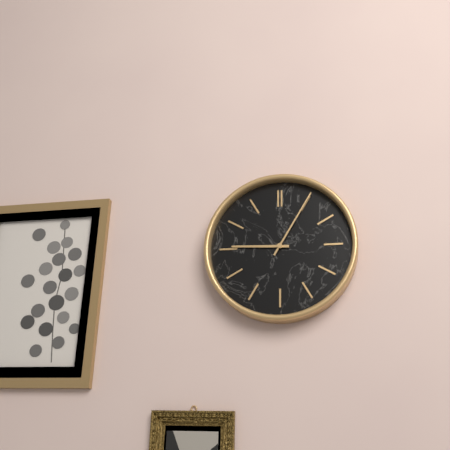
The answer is 9:05
